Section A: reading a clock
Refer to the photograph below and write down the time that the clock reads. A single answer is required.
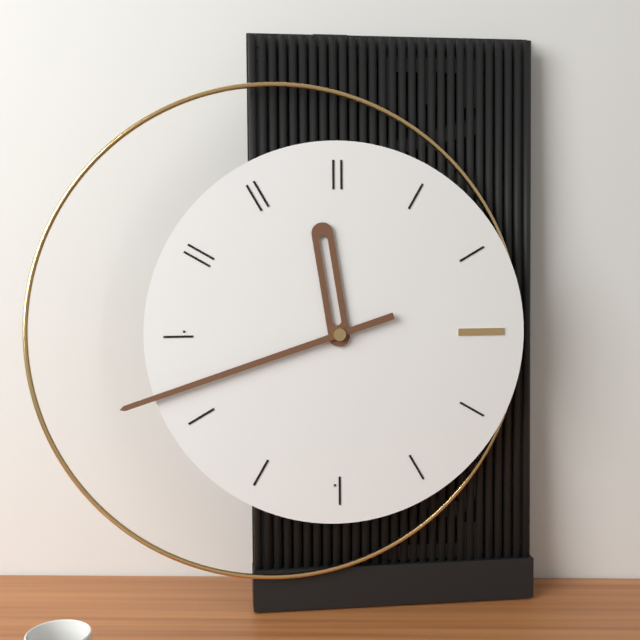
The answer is 11:42
